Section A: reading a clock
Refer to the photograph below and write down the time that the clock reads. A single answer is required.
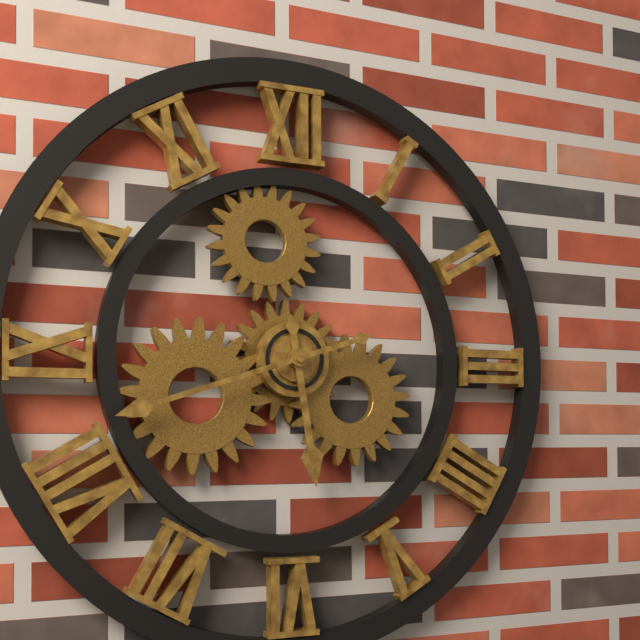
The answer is 5:42
